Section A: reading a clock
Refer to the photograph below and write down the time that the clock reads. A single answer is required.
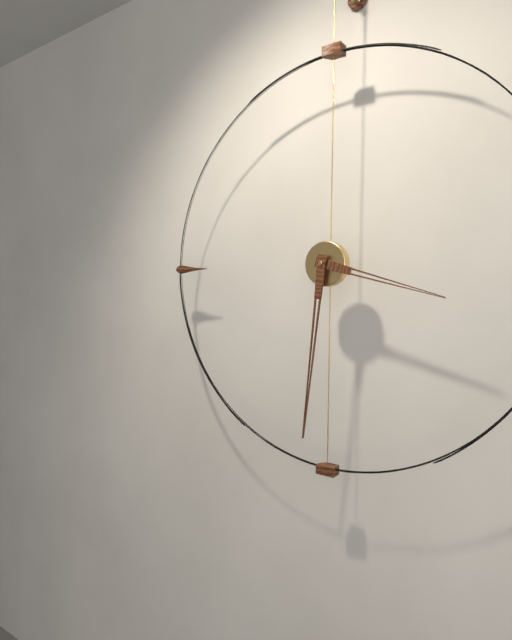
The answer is 3:31
